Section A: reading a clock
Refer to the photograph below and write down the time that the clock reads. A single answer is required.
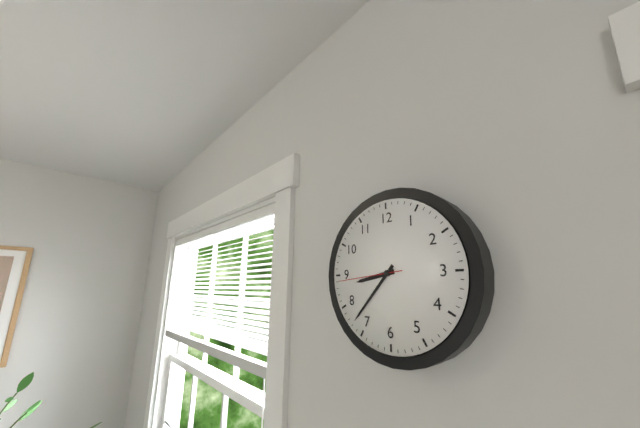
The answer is 8:37:44
